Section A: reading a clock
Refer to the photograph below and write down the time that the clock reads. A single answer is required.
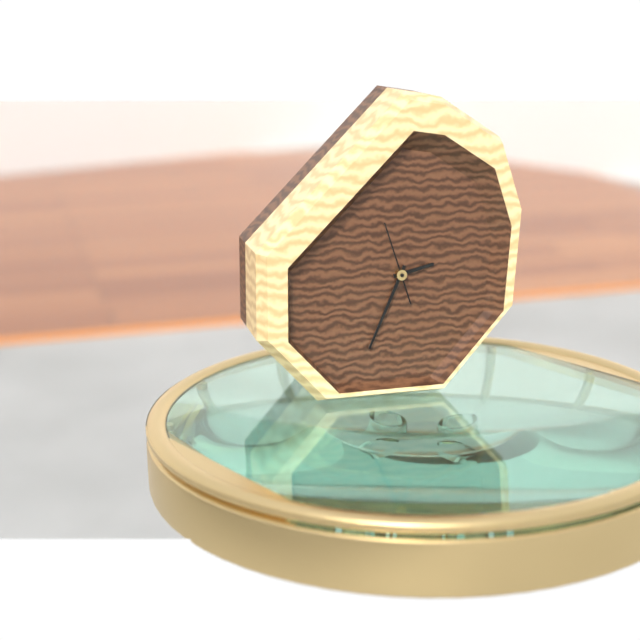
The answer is 2:34:57
